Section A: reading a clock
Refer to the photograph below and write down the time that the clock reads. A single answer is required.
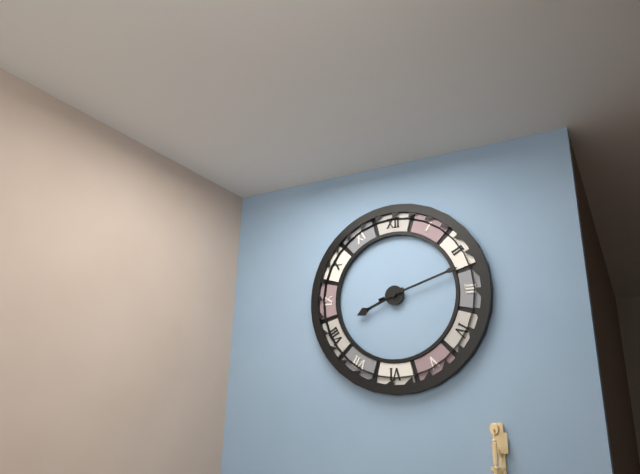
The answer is 8:12
